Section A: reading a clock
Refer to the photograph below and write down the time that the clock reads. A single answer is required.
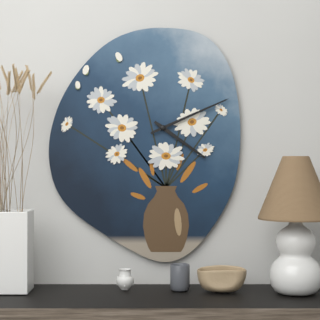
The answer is 4:11
